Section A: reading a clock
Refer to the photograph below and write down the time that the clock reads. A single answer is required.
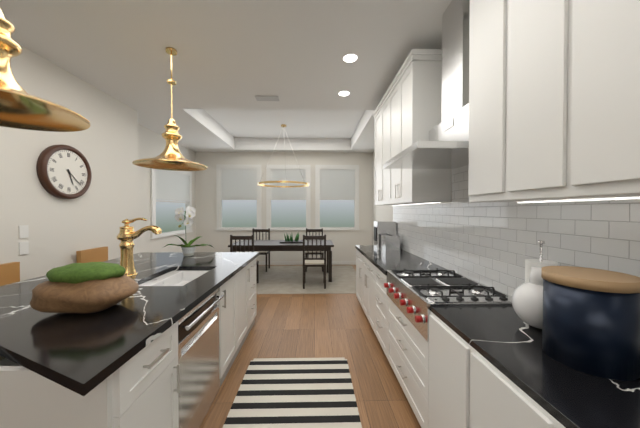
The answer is 5:22
